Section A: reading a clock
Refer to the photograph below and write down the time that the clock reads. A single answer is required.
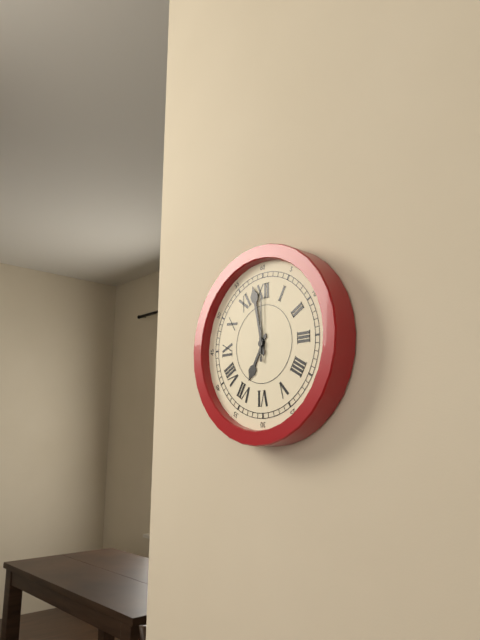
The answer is 6:58:00
